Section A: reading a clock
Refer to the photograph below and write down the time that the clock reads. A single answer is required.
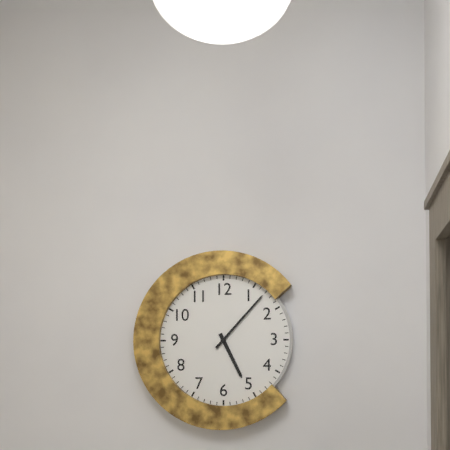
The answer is 5:07
